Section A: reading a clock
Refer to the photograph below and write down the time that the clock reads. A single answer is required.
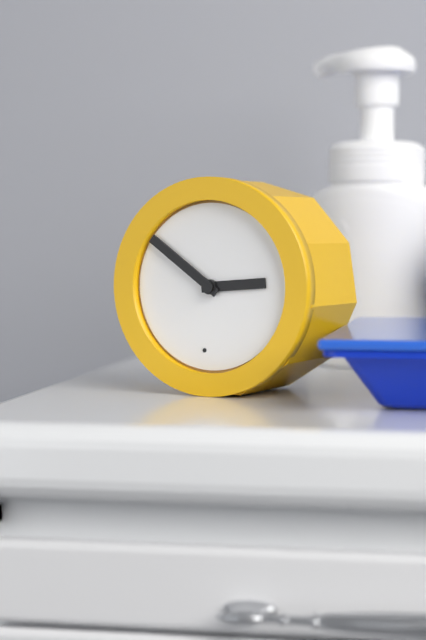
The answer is 2:51
